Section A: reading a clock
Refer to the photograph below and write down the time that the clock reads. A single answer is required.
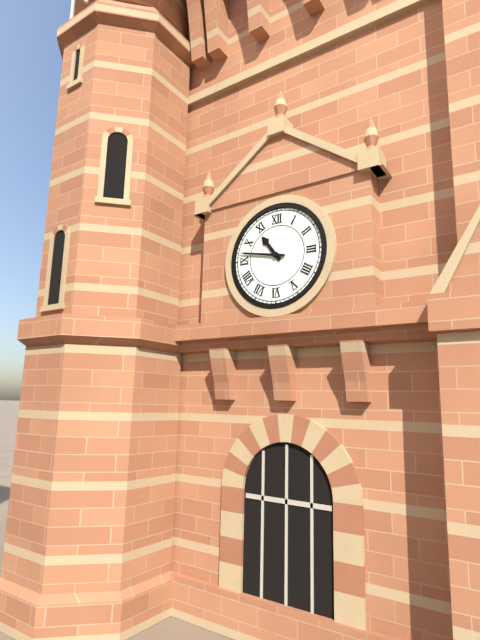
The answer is 10:47
